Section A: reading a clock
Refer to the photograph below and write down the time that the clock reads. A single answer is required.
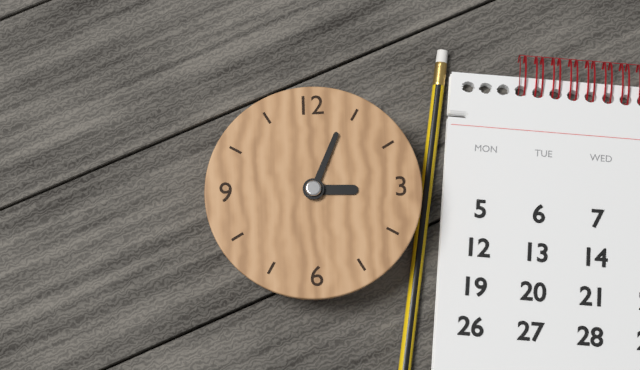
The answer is 3:04
